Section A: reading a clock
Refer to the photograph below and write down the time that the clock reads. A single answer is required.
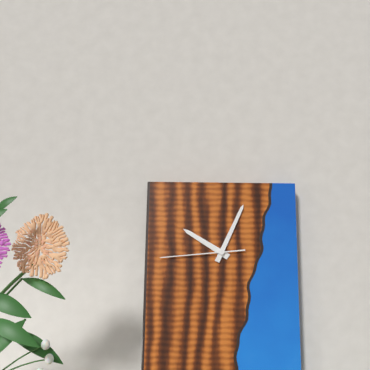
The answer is 10:04:44
